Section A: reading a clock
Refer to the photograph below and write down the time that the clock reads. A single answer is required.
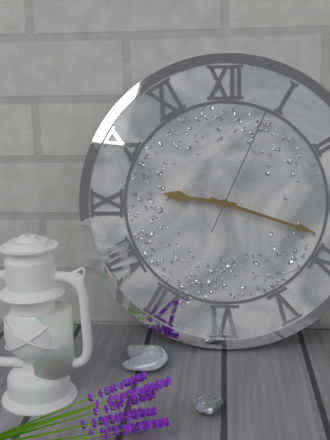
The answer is 9:18:04
